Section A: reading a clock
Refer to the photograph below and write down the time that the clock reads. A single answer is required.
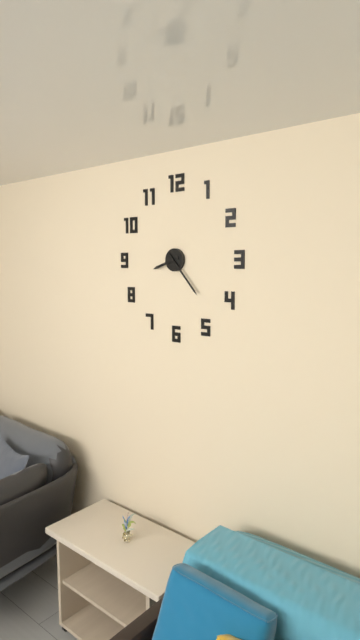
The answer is 8:23
